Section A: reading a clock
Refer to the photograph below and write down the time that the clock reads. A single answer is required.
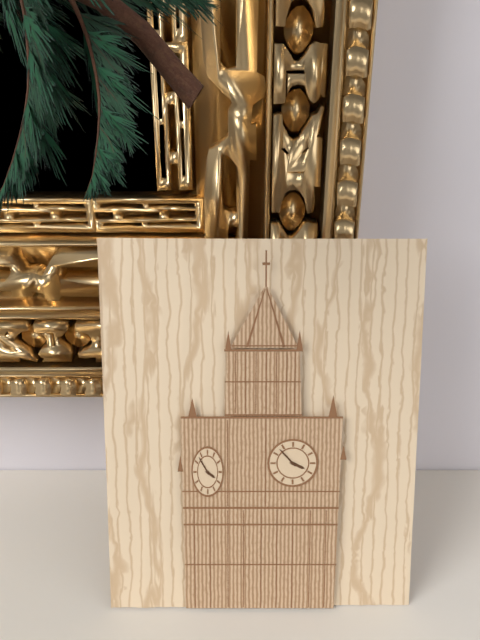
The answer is 3:53
